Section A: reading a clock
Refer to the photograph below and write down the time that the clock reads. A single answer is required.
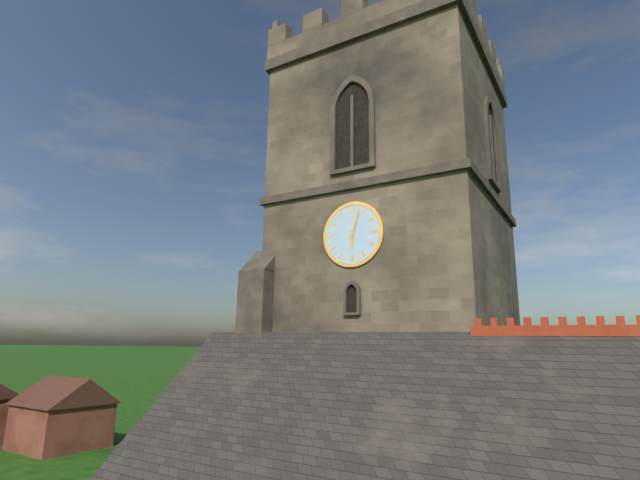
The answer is 6:03
